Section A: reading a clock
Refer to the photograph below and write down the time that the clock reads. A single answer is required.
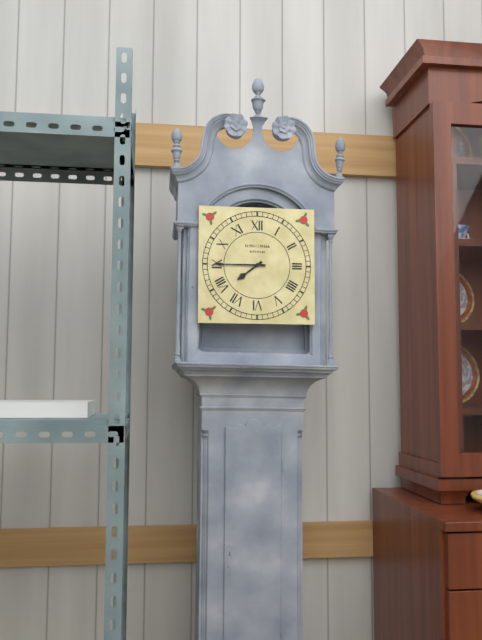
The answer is 7:45
